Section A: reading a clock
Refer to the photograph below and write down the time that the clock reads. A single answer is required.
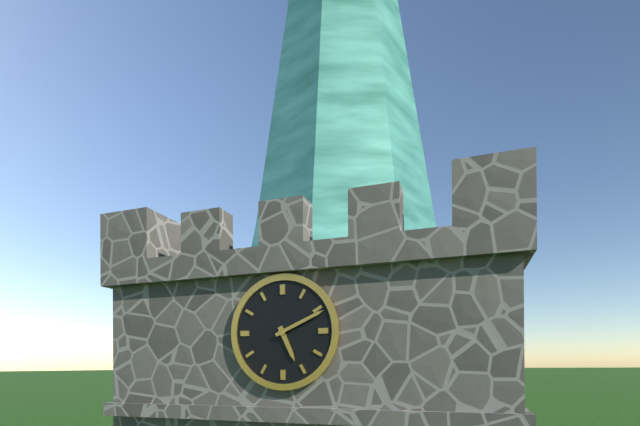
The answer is 5:11
